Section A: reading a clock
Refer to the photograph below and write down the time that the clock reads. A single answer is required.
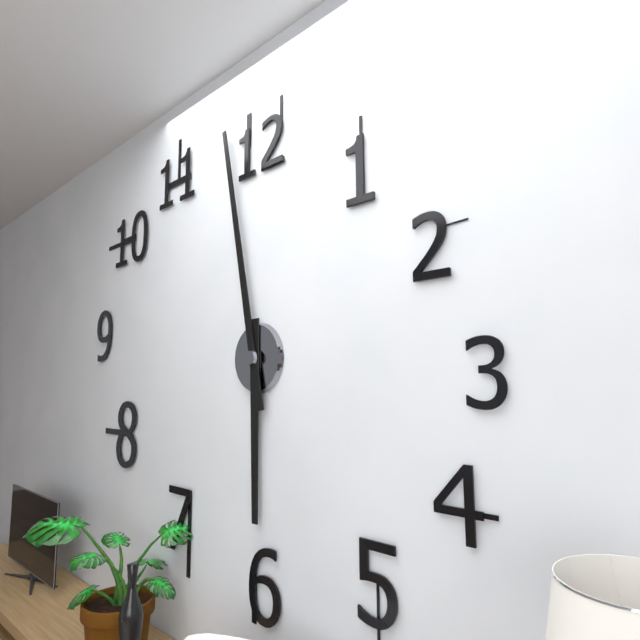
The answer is 5:58
